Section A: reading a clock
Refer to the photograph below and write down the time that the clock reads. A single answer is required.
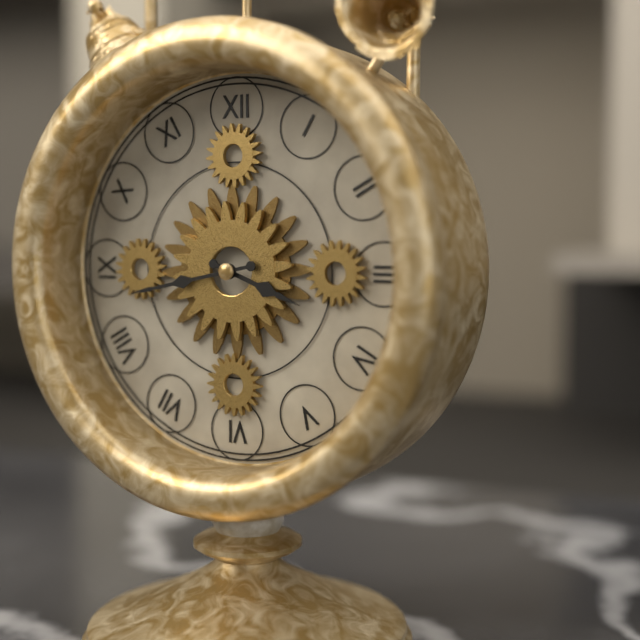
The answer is 3:43
